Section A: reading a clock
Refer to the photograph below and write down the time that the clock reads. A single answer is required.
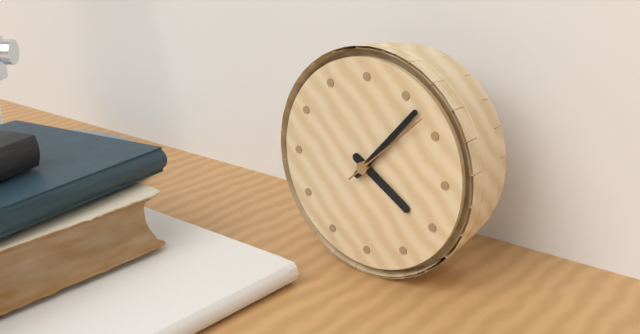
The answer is 4:07:08
